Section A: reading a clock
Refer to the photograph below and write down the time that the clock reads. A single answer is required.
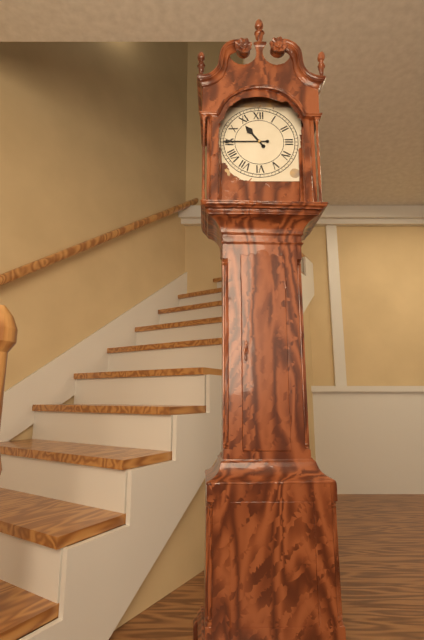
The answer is 10:45
